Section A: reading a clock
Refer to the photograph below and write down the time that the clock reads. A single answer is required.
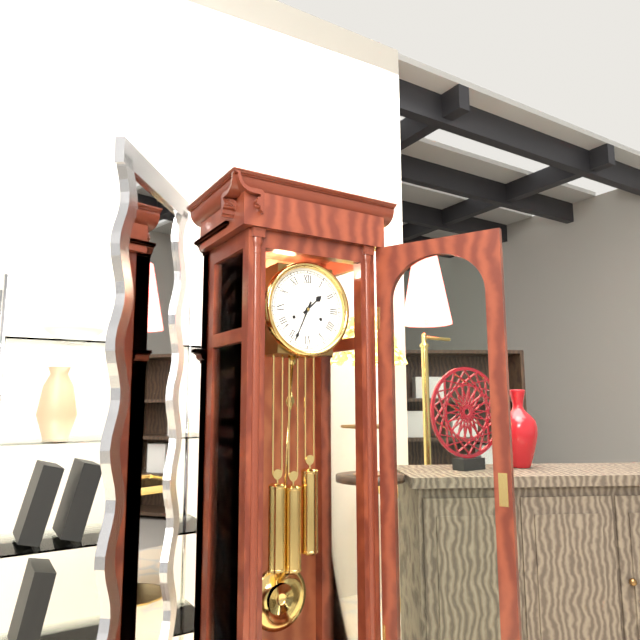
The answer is 1:34
